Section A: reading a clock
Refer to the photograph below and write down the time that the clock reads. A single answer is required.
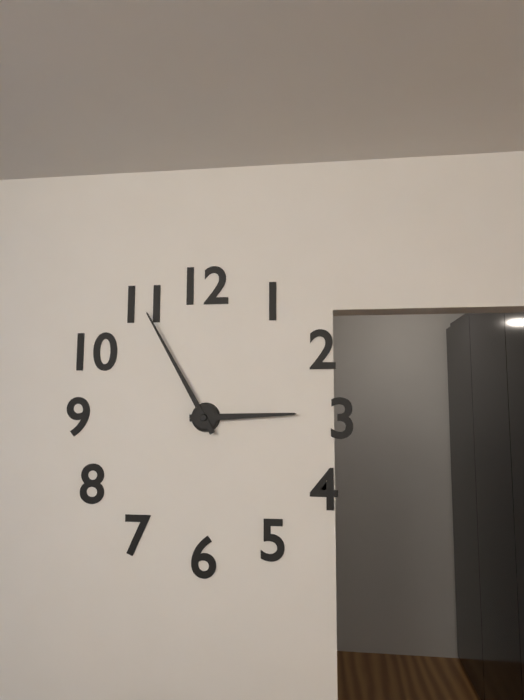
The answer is 2:55
